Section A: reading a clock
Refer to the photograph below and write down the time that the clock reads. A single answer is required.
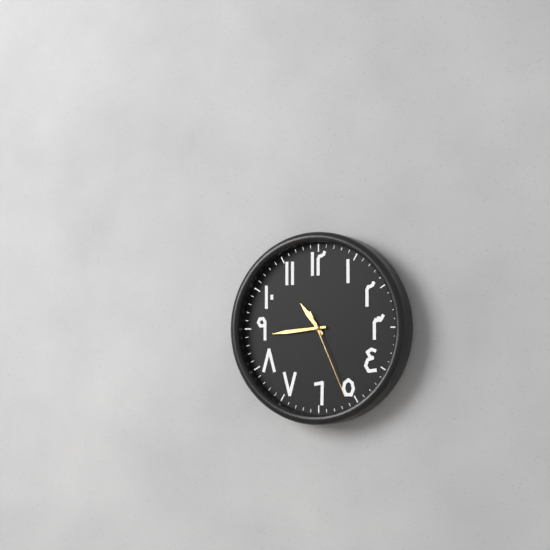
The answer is 10:44:26
